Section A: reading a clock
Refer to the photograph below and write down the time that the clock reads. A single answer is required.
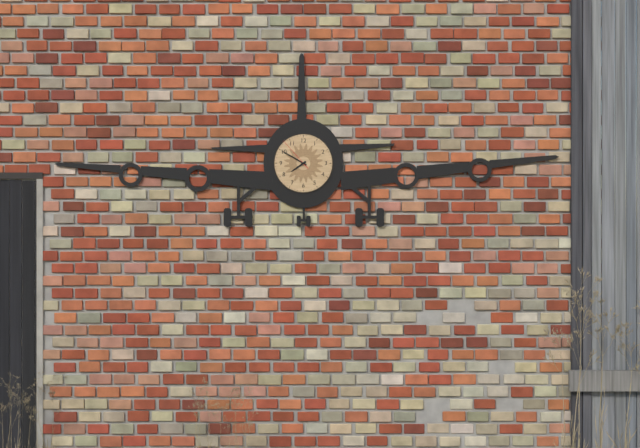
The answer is 7:50
